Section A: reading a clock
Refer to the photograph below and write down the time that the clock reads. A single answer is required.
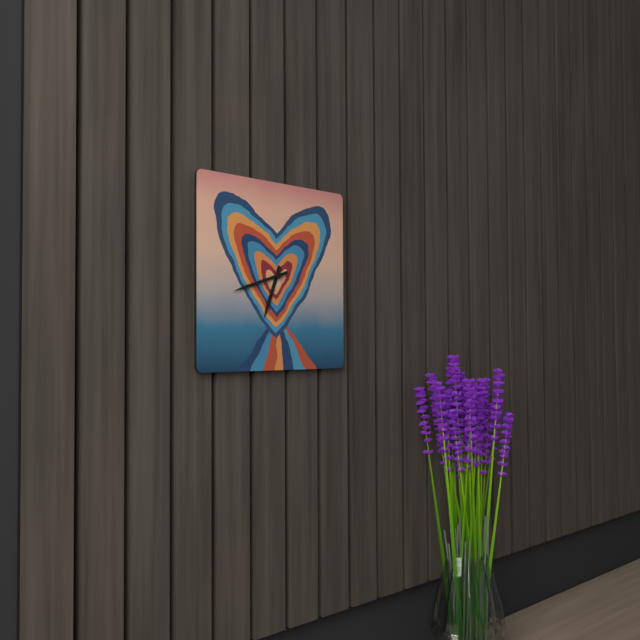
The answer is 6:42
